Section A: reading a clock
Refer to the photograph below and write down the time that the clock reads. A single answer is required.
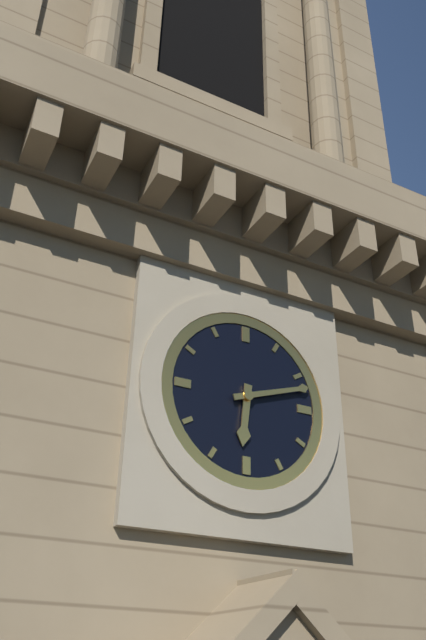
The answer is 6:12
